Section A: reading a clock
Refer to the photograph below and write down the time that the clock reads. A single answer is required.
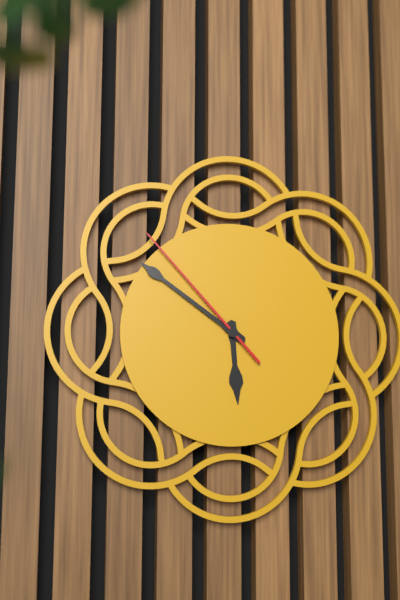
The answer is 5:51:53
